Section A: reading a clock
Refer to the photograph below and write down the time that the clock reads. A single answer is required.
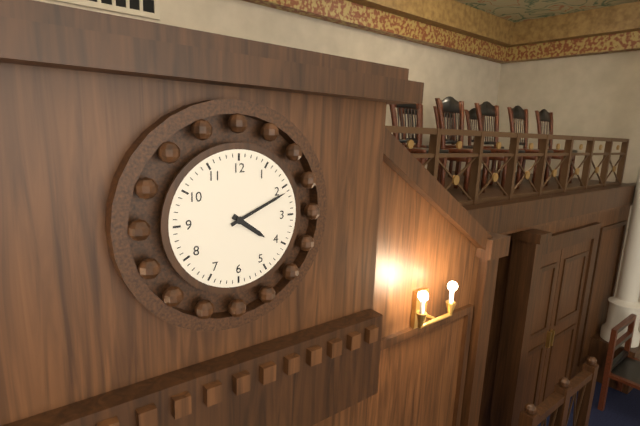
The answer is 4:11
